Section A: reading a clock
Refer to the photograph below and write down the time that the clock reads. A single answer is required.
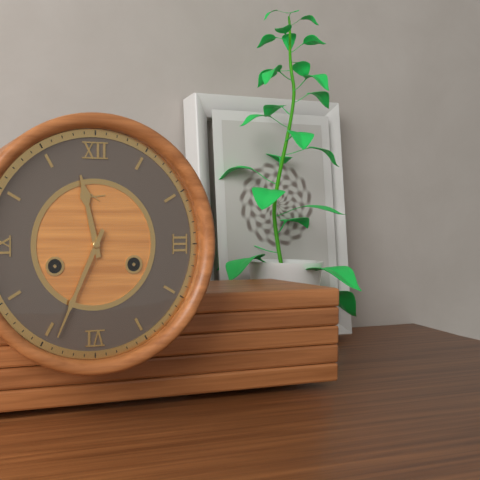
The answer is 11:34
